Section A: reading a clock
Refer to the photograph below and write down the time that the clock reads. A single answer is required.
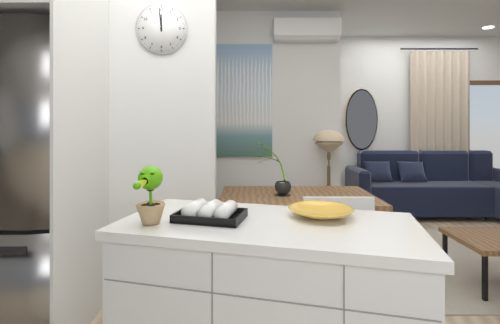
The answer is 11:59
